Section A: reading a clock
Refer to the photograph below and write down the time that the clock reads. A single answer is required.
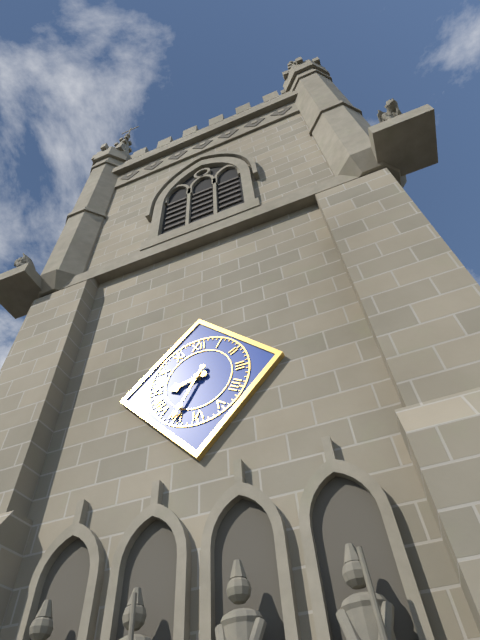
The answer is 8:35
